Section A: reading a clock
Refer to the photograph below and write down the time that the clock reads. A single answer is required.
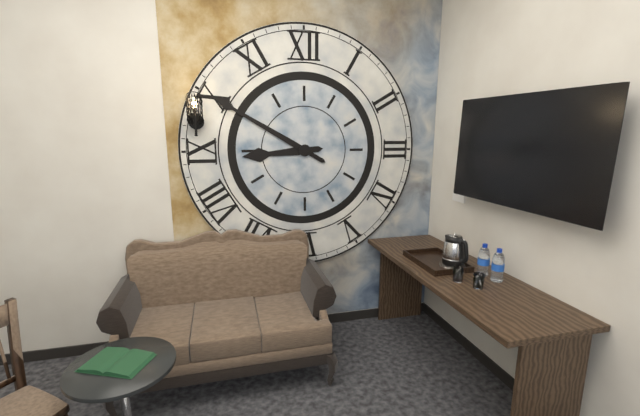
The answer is 8:50
